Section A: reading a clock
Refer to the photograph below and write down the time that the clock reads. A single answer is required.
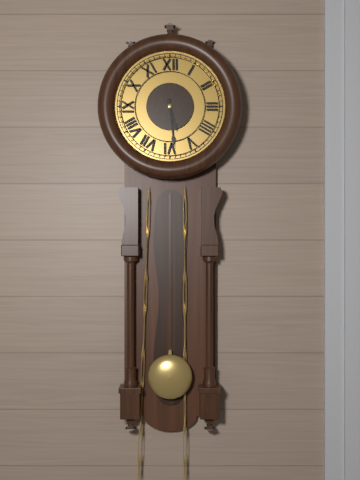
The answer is 5:29
